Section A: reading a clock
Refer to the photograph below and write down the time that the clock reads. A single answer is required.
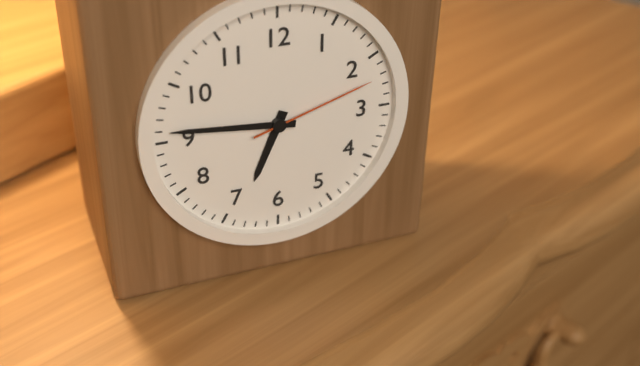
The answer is 6:46:12
